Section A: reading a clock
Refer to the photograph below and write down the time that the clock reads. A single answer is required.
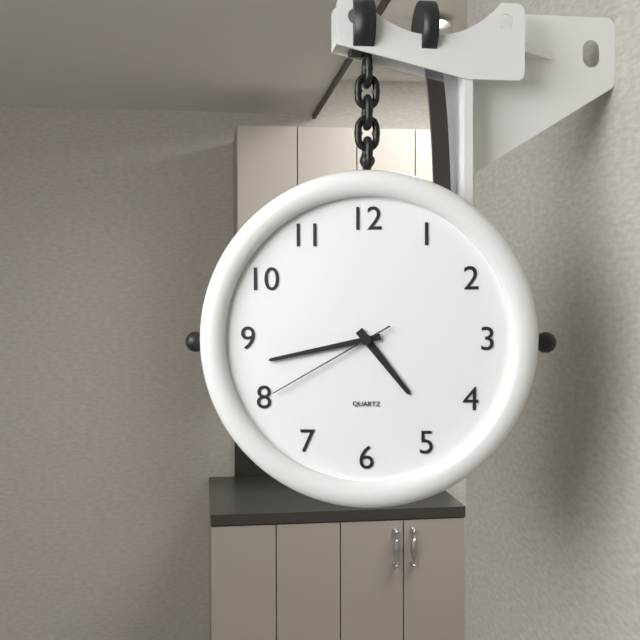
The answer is 4:43:40
